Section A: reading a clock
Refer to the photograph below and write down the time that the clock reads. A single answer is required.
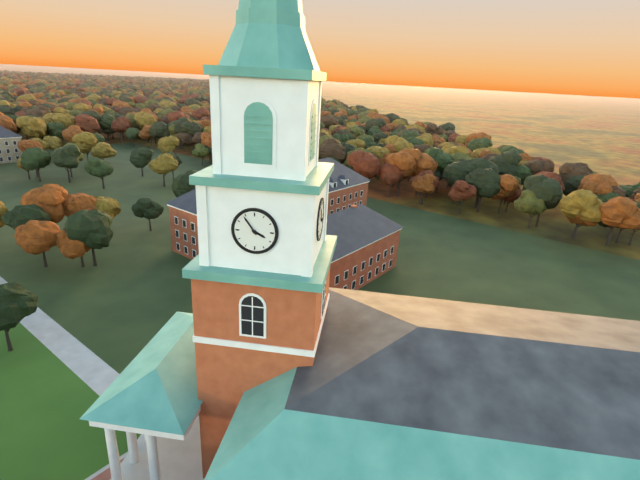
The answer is 3:54
